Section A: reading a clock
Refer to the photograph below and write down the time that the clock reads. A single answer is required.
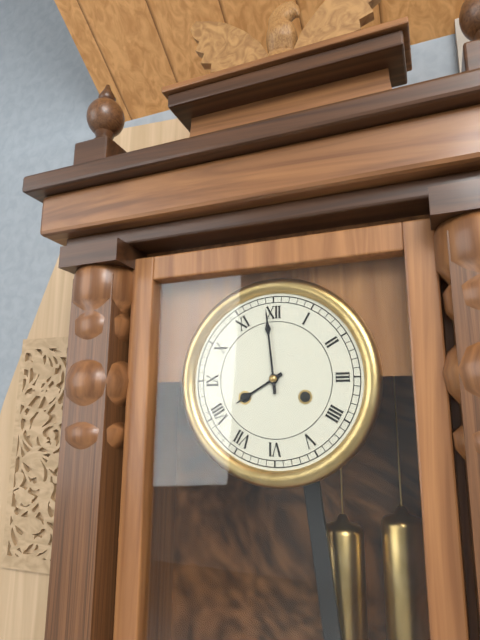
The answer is 7:59
